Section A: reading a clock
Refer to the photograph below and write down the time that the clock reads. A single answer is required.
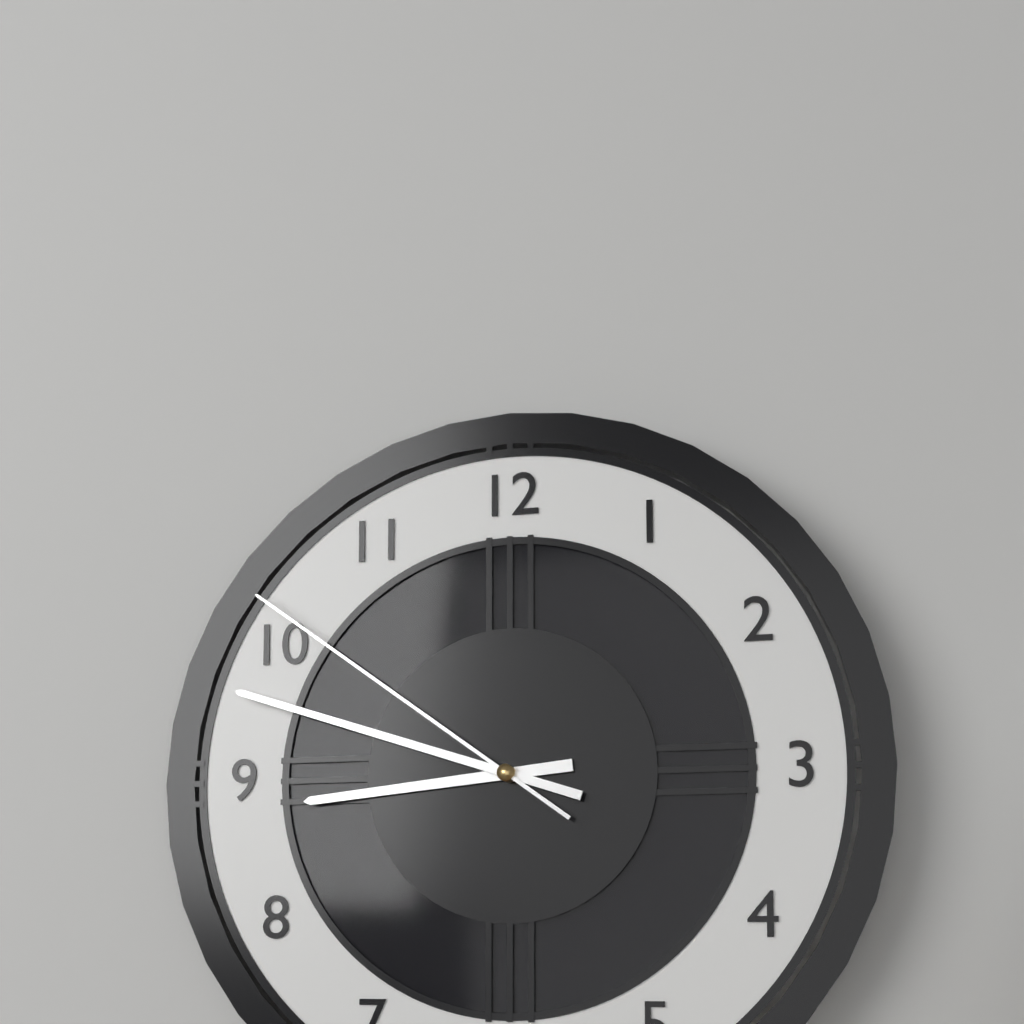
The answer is 8:48:51
